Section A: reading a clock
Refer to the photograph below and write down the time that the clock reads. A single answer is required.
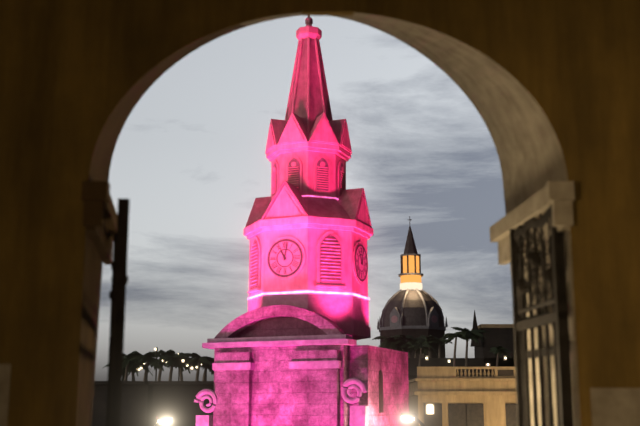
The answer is 11:02
